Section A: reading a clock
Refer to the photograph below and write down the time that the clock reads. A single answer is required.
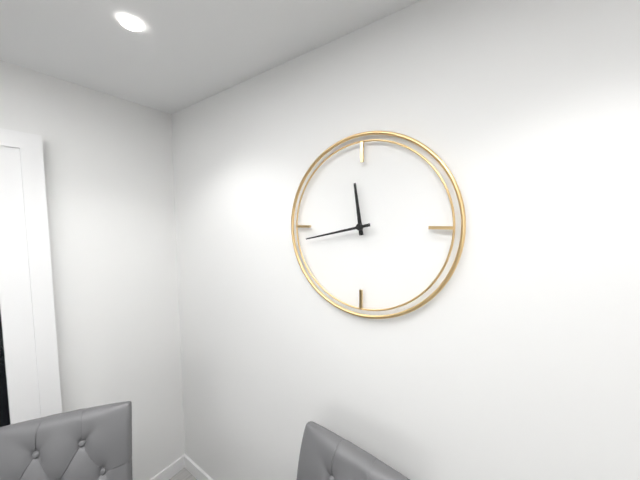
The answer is 11:43
